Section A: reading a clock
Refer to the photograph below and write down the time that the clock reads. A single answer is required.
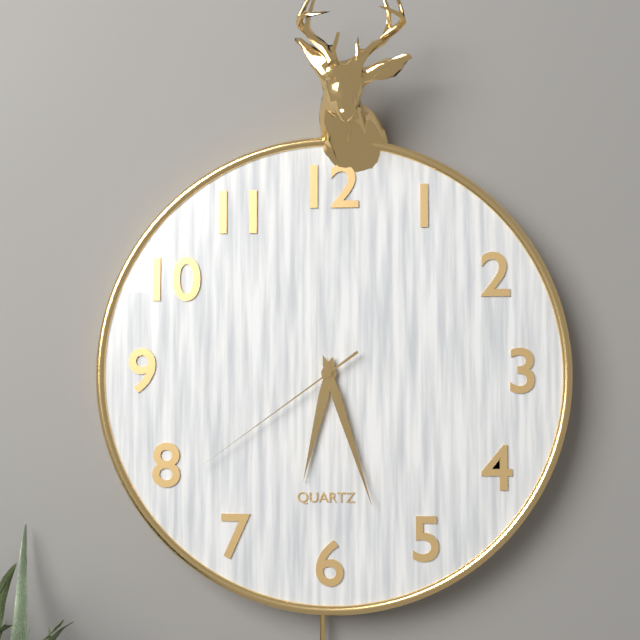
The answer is 6:27:39
